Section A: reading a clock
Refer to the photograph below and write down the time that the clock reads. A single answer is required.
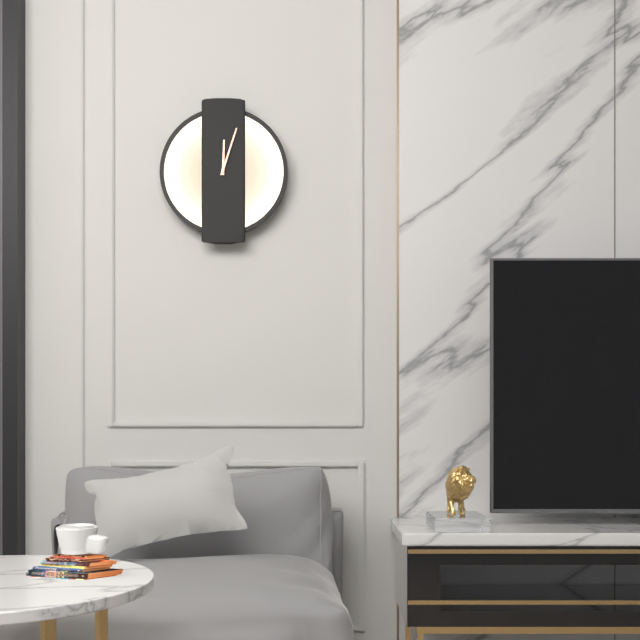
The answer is 12:03
